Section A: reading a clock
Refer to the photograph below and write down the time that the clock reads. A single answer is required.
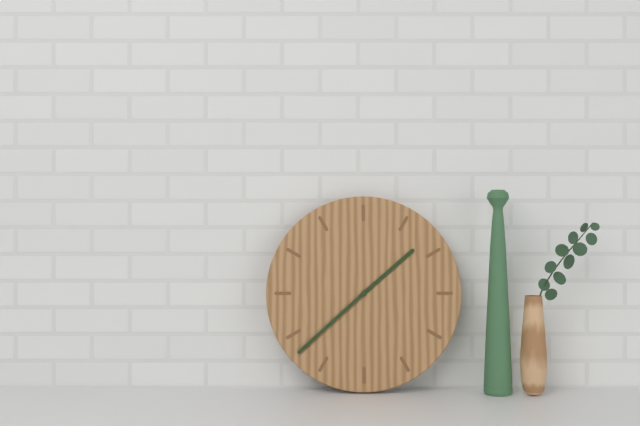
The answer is 1:38
